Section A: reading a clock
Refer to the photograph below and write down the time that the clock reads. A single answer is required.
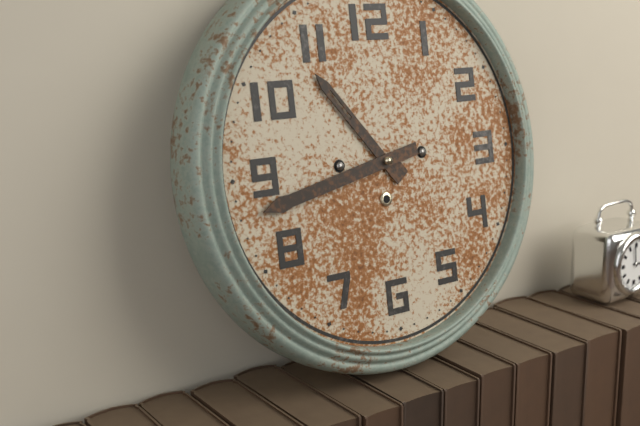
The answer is 10:43
